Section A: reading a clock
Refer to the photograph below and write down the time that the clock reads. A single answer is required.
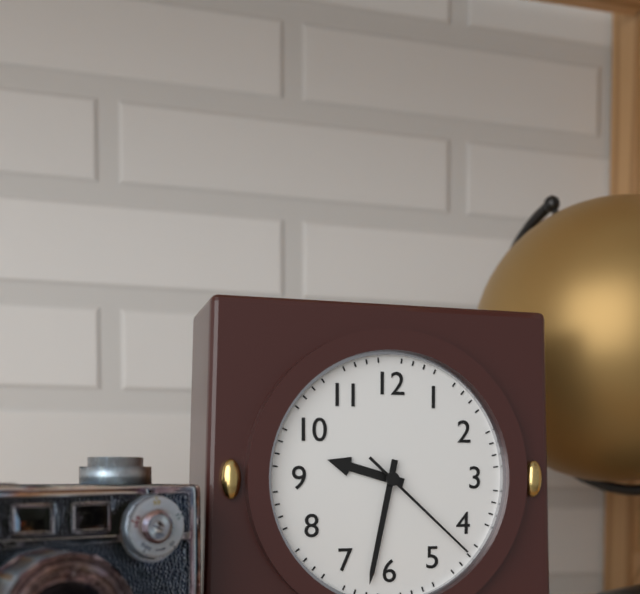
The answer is 9:32:22
